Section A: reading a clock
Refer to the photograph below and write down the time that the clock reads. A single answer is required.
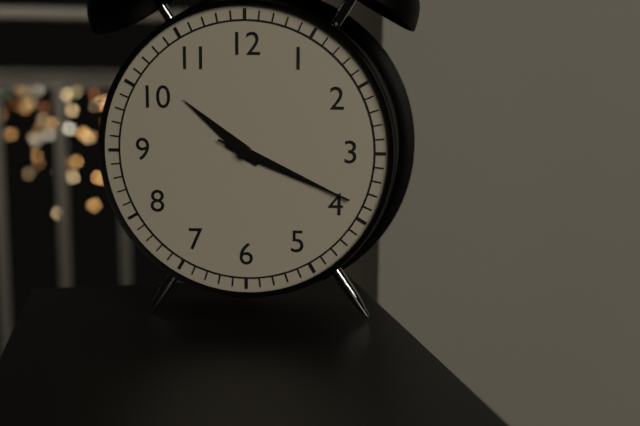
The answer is 10:19:19
